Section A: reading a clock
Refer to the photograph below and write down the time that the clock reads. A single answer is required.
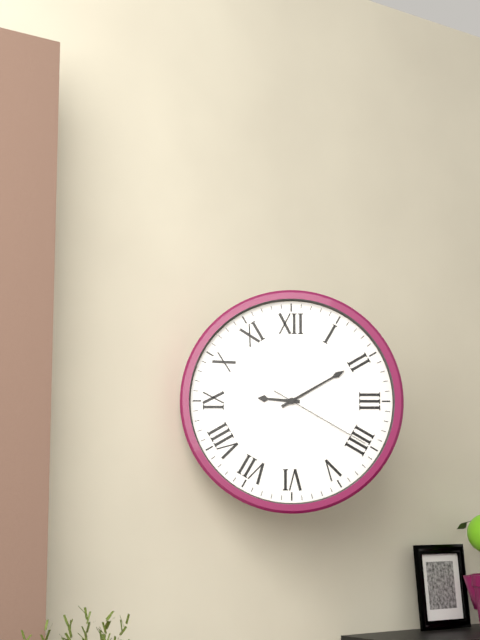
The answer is 9:10:20
